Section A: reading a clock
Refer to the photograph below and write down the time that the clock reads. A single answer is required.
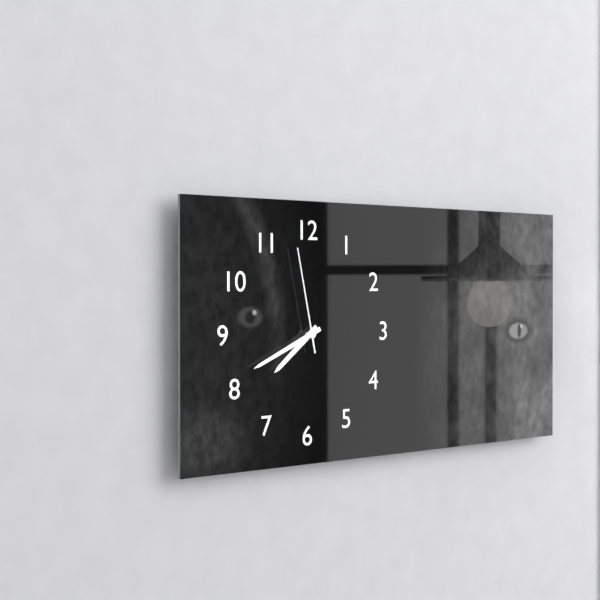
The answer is 7:41:58
